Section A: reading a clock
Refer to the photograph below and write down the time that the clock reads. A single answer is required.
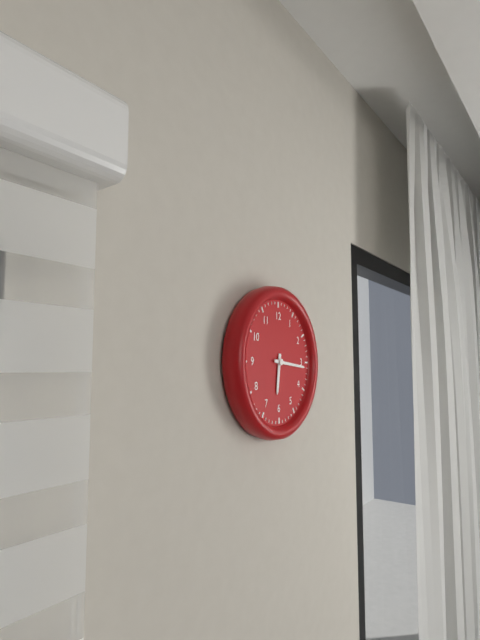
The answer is 6:16
